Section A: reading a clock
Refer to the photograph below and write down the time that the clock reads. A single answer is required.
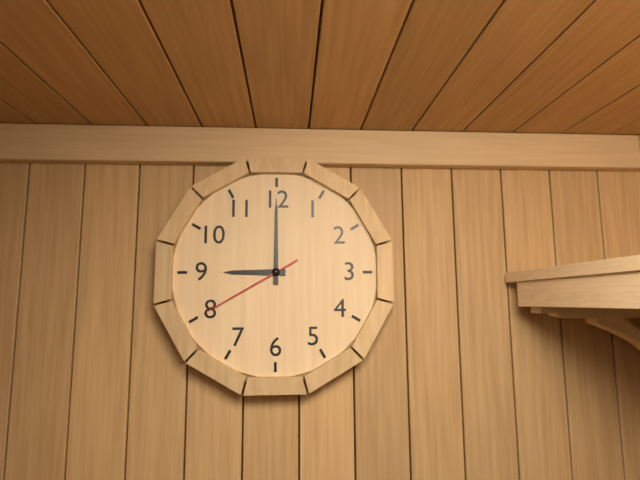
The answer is 9:00:40
